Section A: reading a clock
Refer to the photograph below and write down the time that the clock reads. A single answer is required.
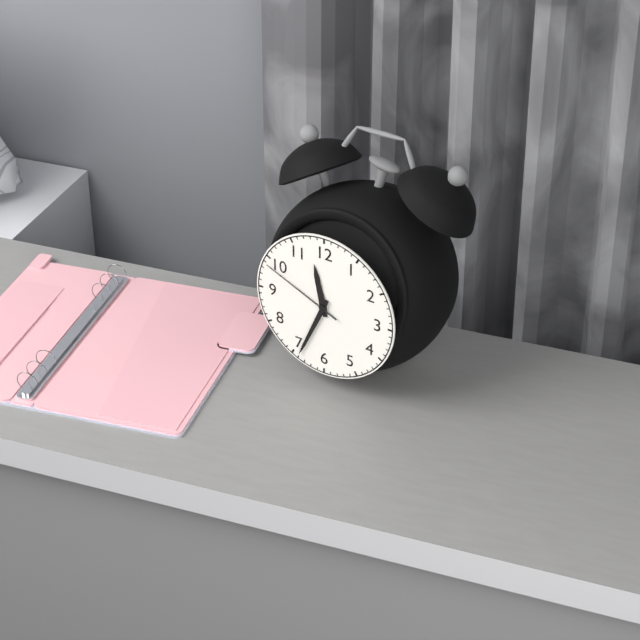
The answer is 11:34:49
